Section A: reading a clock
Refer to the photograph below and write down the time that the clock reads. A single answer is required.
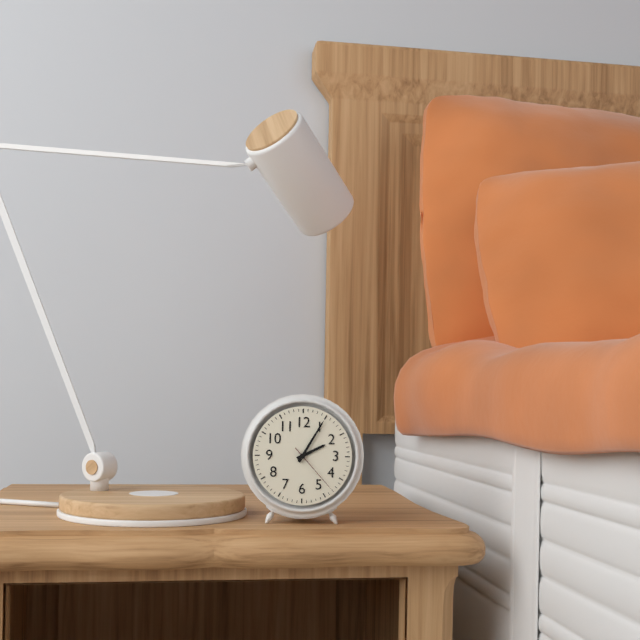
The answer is 2:05:23
